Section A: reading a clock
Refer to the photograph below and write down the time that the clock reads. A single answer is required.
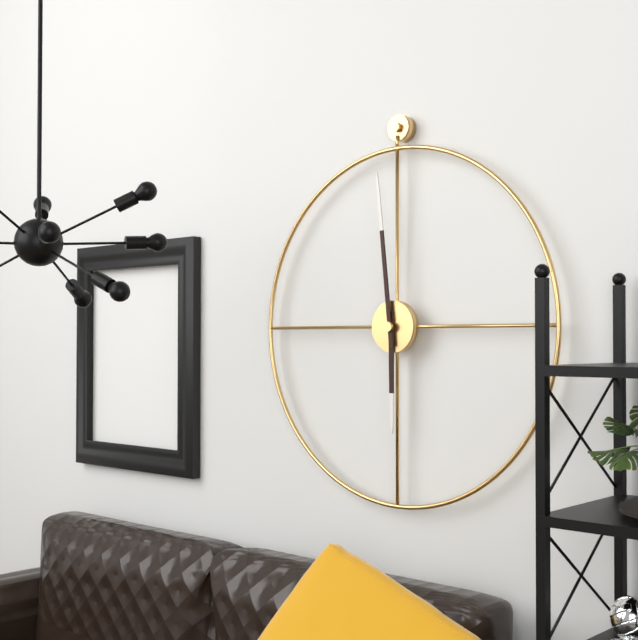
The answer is 5:59
